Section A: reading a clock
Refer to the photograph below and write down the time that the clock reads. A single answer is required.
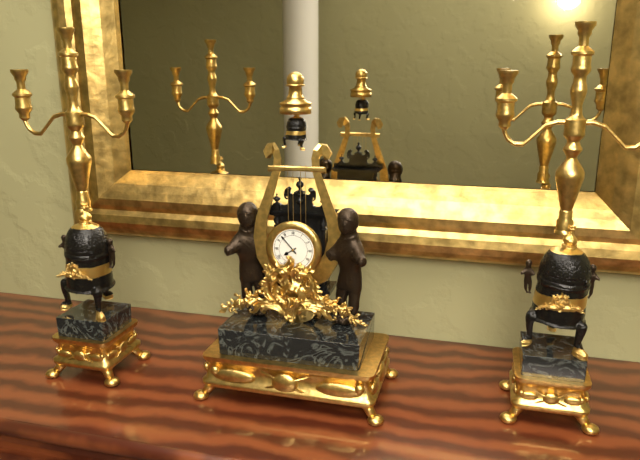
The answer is 7:53
